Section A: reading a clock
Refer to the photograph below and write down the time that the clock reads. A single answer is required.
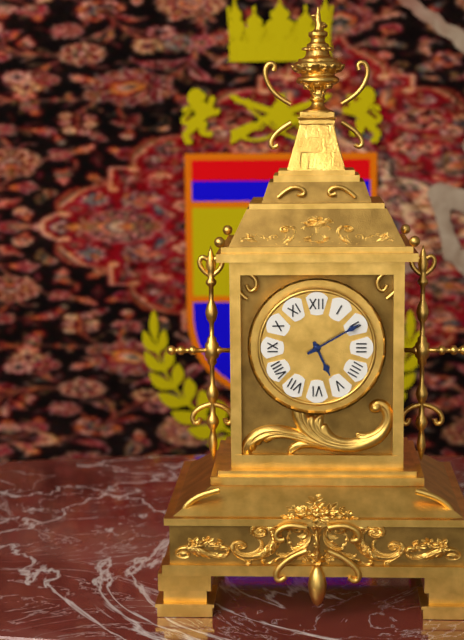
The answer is 5:10
